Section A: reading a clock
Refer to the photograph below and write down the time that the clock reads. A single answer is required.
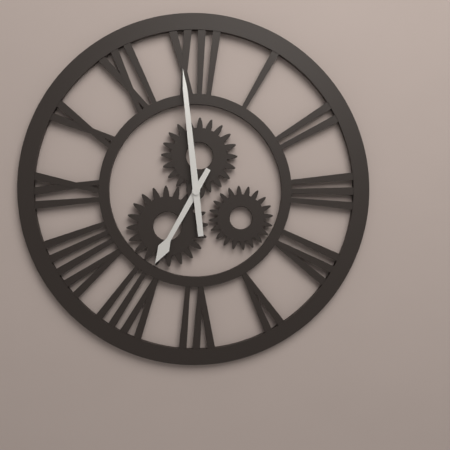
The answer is 6:59
